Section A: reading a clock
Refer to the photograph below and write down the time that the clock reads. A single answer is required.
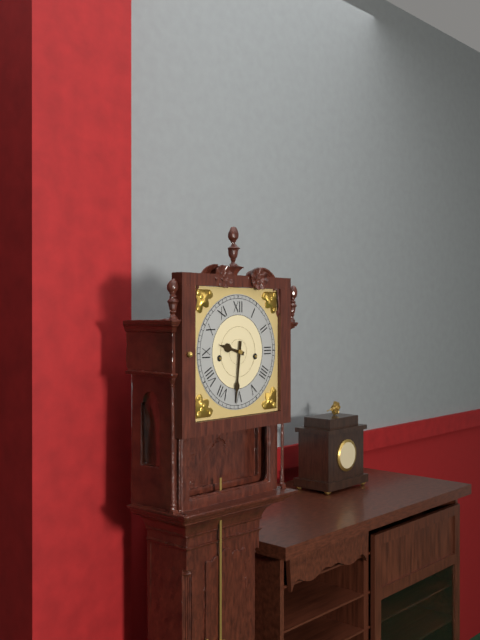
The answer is 9:31
